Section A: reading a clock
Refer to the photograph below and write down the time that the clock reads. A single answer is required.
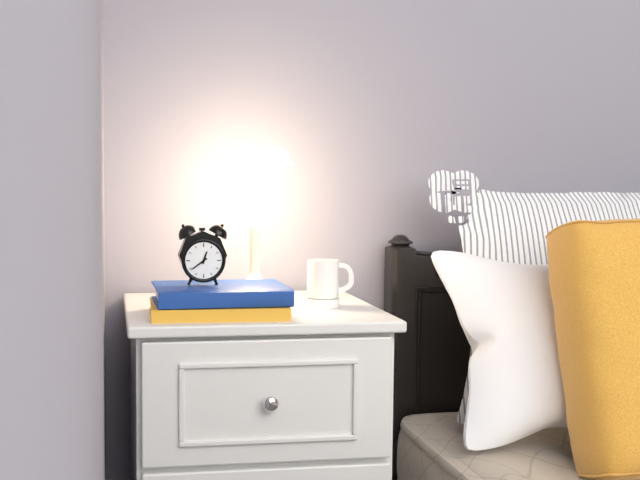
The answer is 12:39
